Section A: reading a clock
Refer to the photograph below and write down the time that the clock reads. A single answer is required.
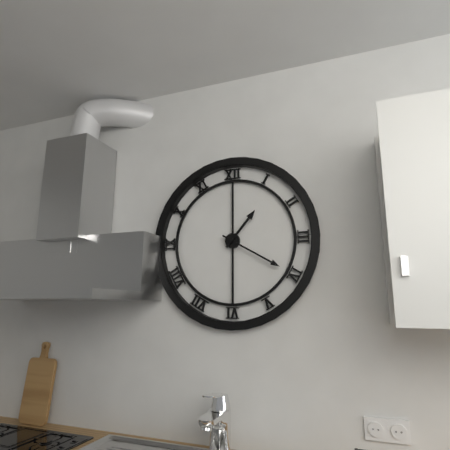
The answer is 1:20
